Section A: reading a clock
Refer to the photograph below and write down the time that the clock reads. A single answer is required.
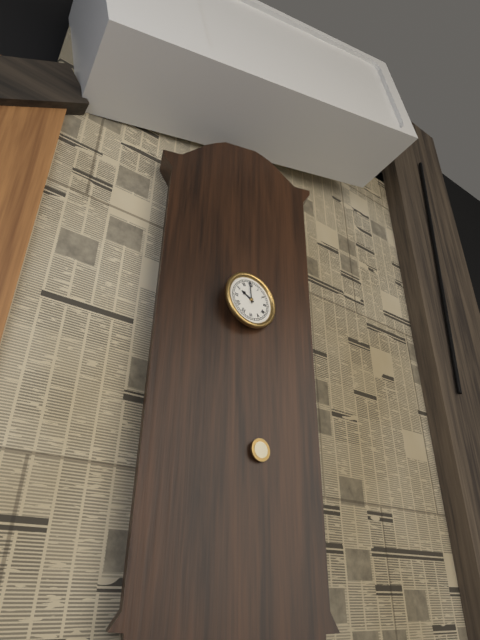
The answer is 9:59
